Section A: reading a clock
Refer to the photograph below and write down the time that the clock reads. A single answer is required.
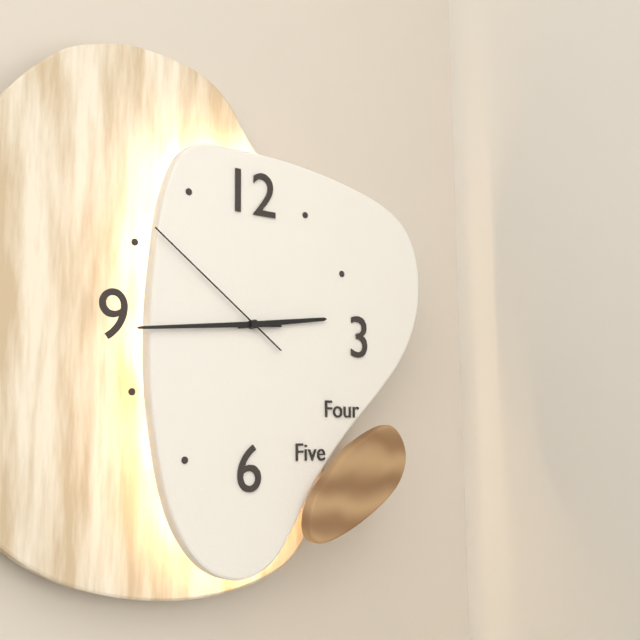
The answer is 2:44:51
